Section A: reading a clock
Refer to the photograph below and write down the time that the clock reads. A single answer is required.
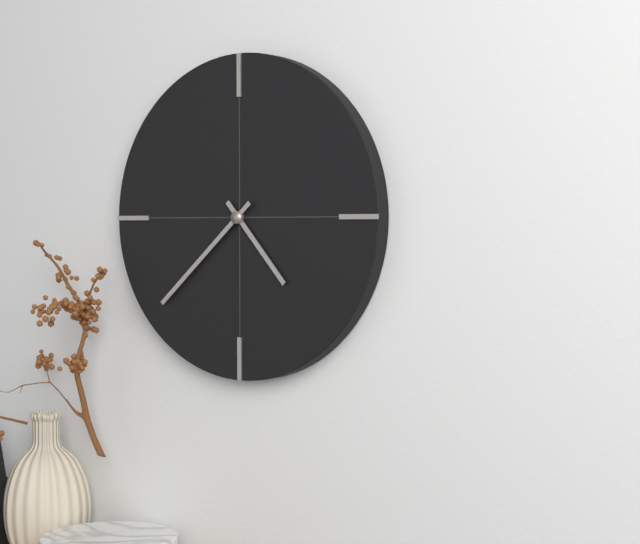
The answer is 4:38
